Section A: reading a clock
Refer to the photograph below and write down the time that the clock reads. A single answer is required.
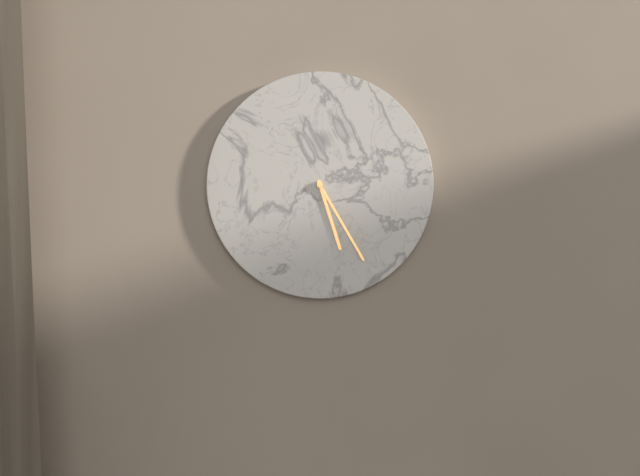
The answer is 5:25
